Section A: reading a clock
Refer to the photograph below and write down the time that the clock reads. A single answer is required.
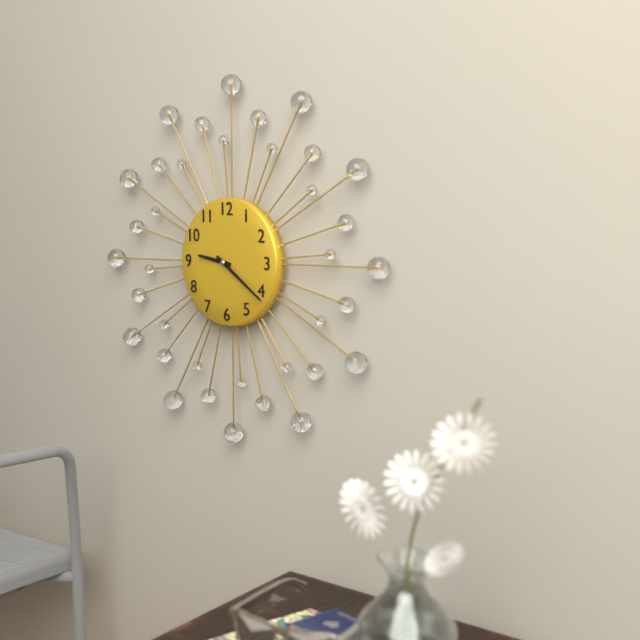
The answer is 9:21
